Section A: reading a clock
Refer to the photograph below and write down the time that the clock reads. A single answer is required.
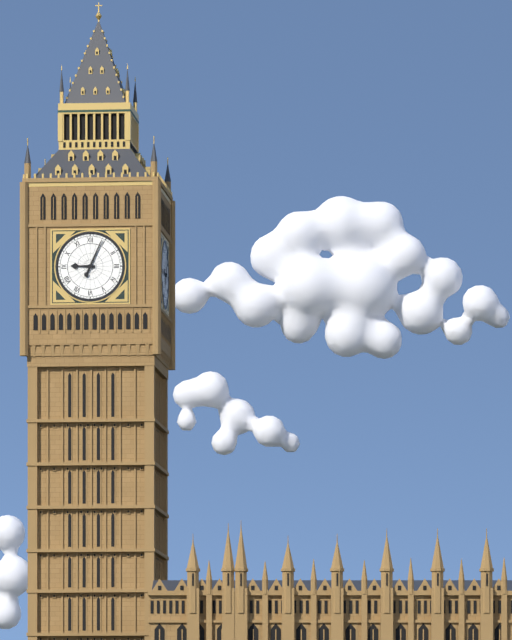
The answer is 9:04
